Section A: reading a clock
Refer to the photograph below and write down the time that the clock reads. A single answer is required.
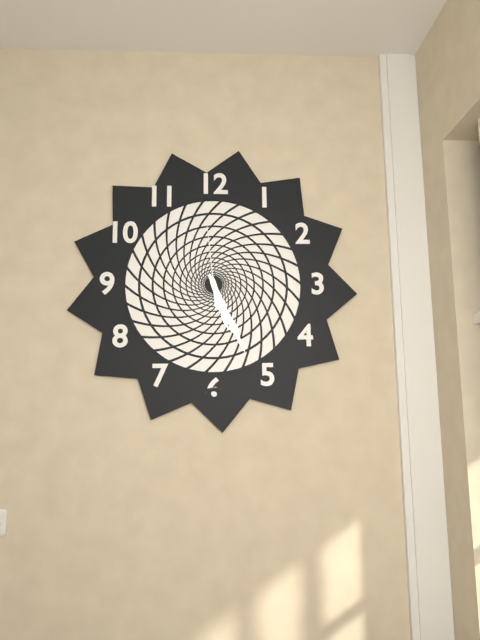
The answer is 5:26:59
